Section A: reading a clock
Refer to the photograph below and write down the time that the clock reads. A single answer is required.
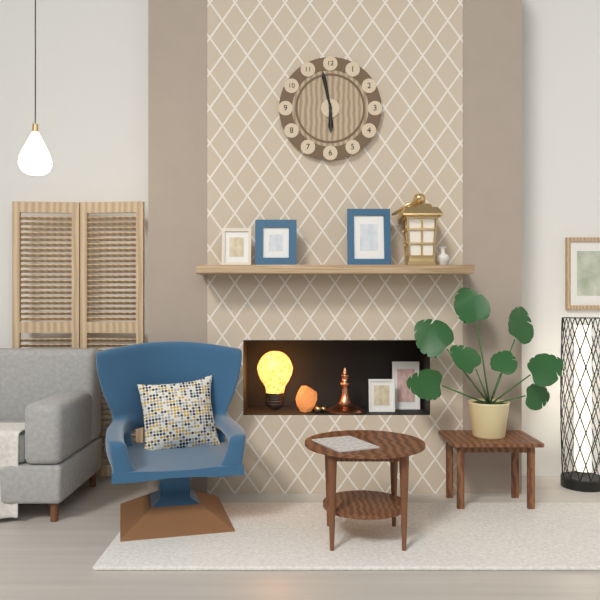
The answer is 5:58
